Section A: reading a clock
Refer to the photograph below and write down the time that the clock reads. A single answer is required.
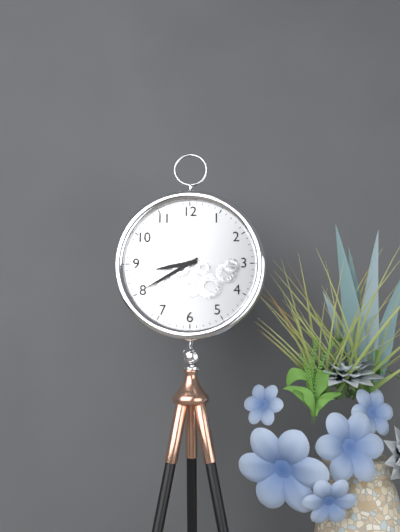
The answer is 8:40
